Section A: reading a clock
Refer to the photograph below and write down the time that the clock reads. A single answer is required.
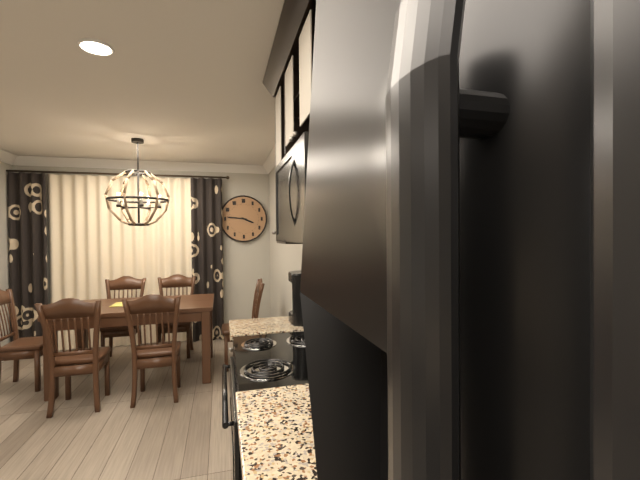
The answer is 3:46
